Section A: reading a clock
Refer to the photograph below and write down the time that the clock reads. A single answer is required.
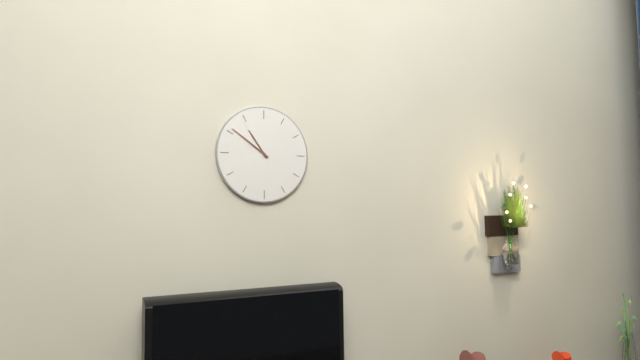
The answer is 10:51
